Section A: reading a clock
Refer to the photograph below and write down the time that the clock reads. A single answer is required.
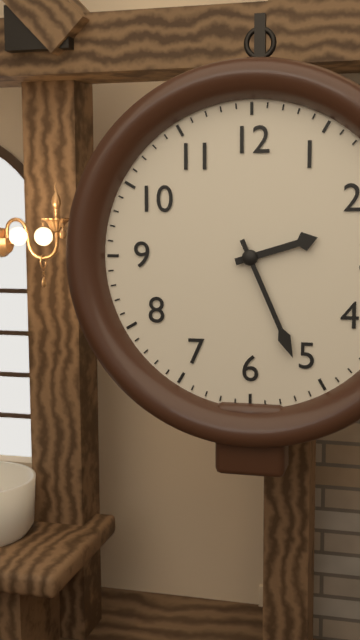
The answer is 2:26
